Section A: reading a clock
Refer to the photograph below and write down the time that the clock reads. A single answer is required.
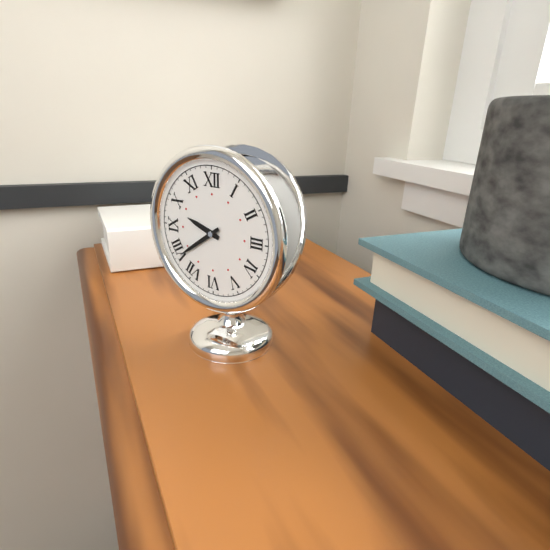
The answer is 9:39
